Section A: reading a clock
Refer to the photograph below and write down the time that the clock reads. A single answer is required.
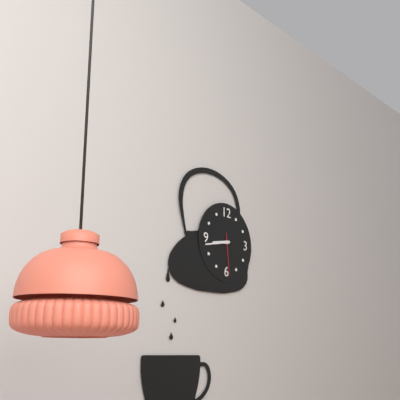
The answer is 8:43
